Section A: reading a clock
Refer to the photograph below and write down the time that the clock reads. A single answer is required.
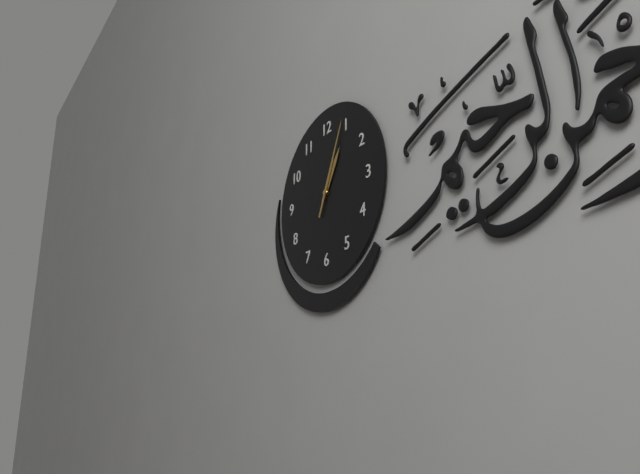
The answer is 1:04
